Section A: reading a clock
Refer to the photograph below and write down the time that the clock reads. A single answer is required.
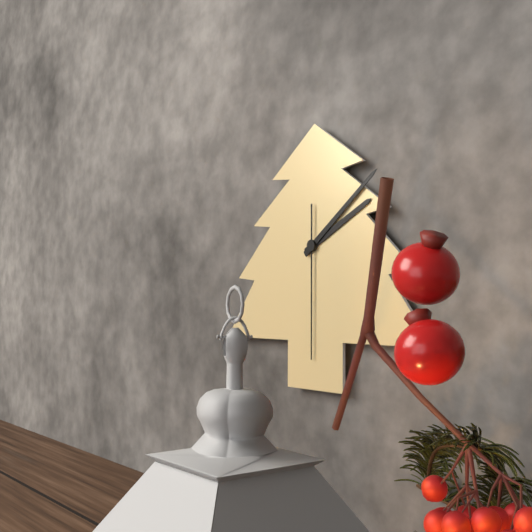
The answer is 2:09:30
